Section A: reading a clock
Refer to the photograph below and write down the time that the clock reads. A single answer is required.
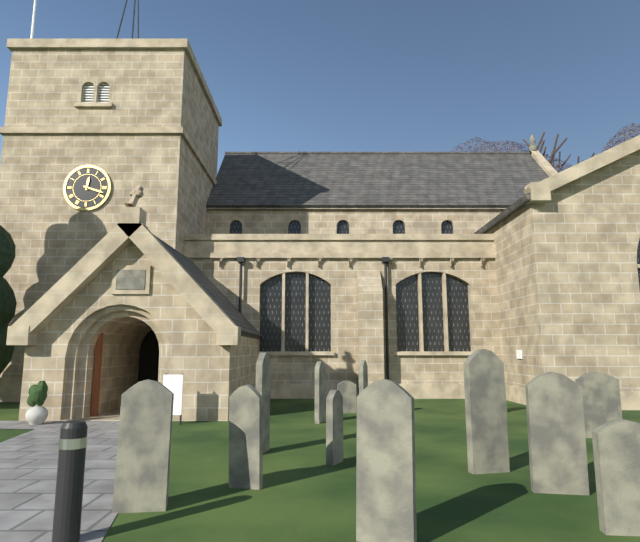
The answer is 12:18
